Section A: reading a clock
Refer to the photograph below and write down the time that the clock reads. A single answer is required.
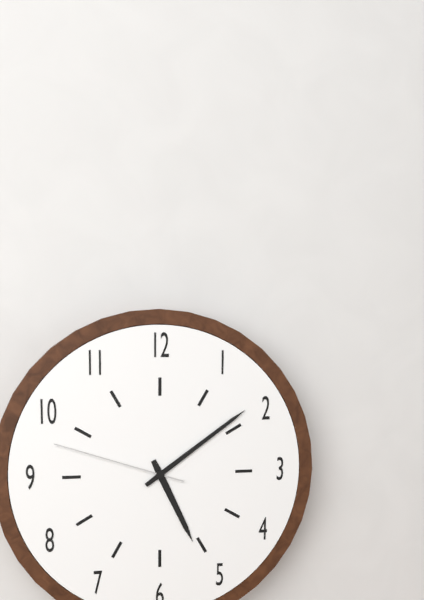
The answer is 5:09:48
